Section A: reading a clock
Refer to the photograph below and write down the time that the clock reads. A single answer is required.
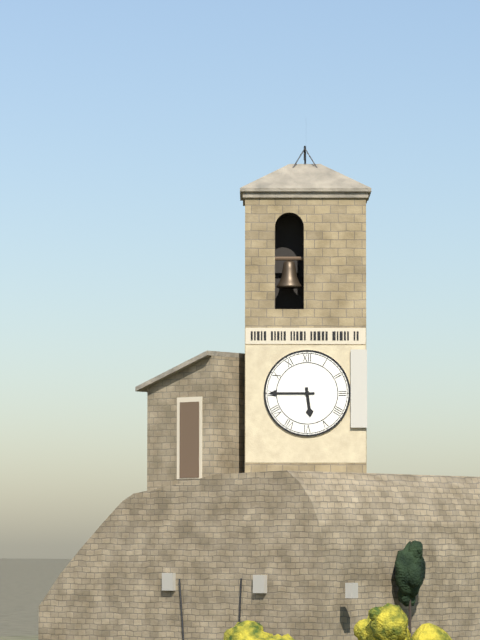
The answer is 5:45
